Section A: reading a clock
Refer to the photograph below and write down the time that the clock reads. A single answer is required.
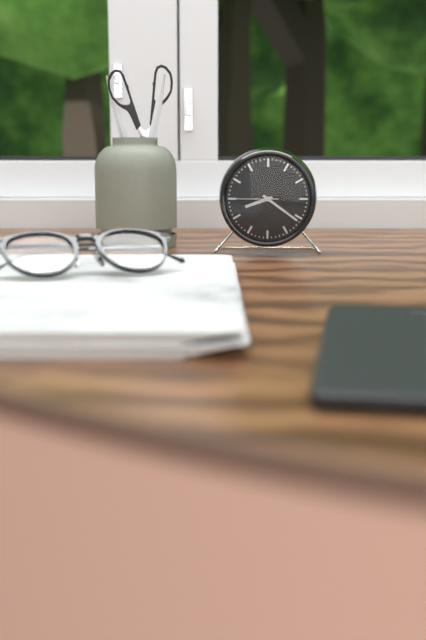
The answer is 8:21
